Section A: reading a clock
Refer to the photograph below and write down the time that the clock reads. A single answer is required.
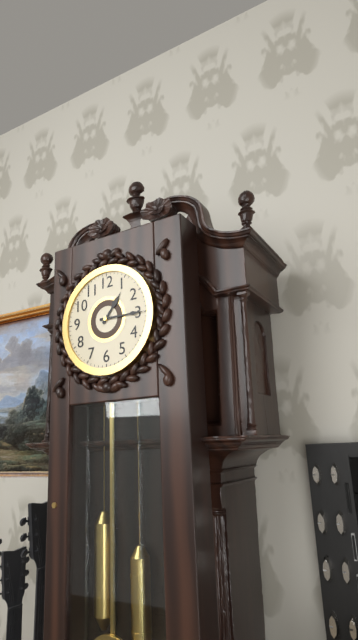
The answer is 1:15
